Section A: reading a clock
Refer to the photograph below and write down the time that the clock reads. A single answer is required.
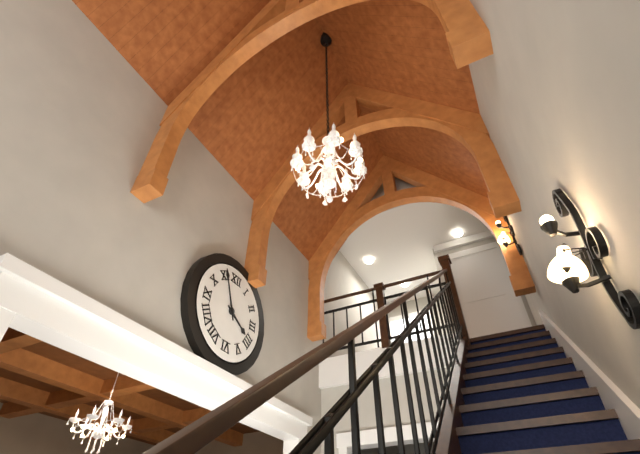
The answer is 3:56
